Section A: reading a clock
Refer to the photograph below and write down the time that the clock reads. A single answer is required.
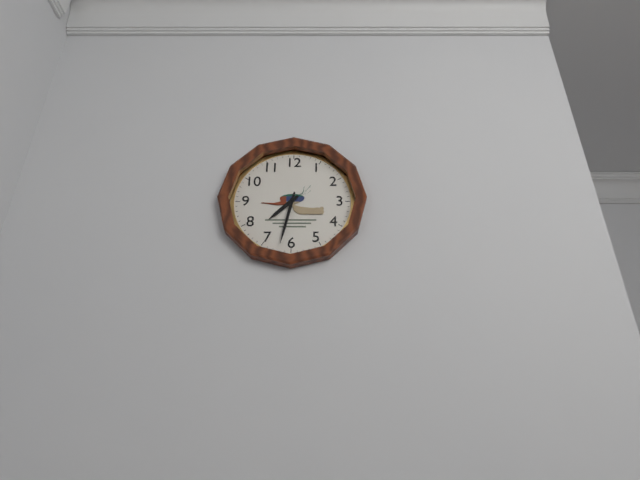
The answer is 7:32
